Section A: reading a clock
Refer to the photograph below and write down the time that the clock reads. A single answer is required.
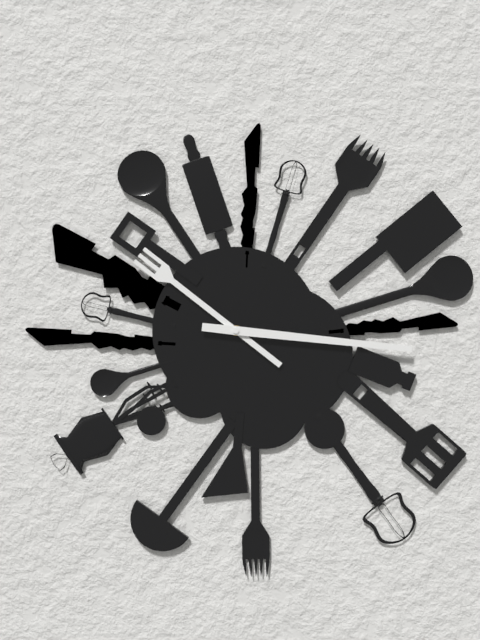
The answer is 10:16
